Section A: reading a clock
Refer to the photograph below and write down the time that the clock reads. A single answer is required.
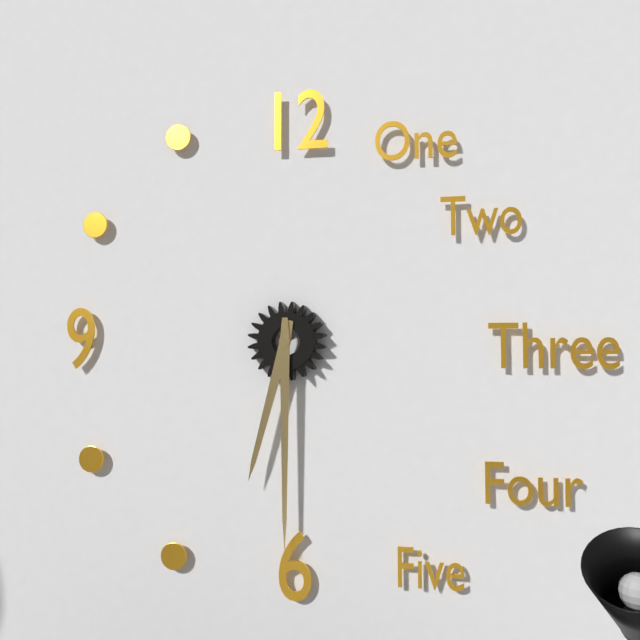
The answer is 6:30
